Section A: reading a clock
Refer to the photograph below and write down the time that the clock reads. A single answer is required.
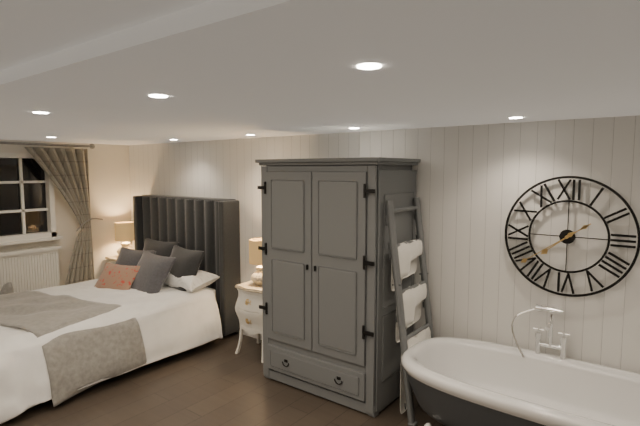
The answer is 7:39
